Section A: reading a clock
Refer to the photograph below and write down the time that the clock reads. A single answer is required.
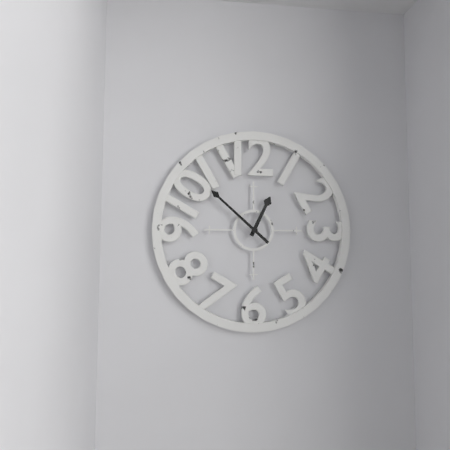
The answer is 12:52
